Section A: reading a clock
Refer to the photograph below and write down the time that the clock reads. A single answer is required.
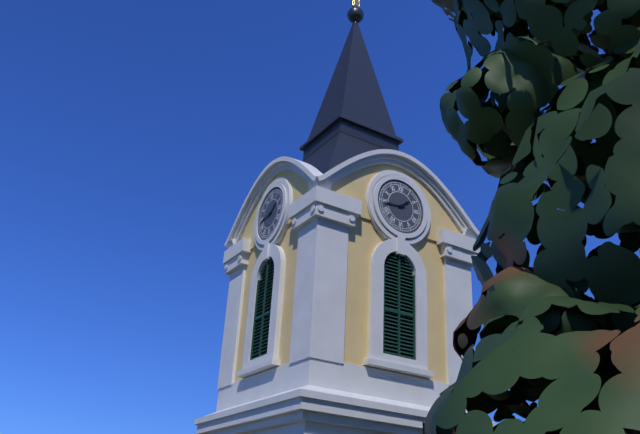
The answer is 1:44
